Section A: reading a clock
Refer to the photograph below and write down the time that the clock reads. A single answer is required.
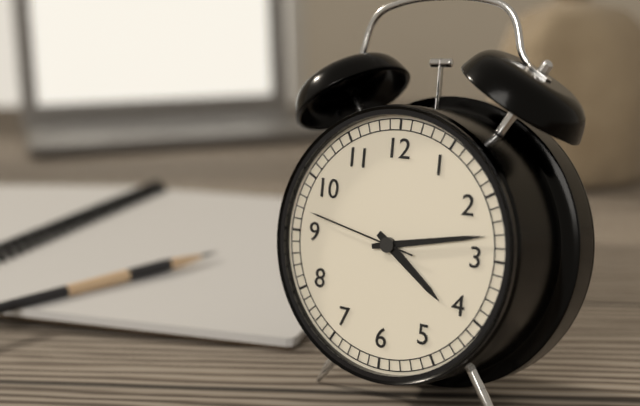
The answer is 4:13:47
